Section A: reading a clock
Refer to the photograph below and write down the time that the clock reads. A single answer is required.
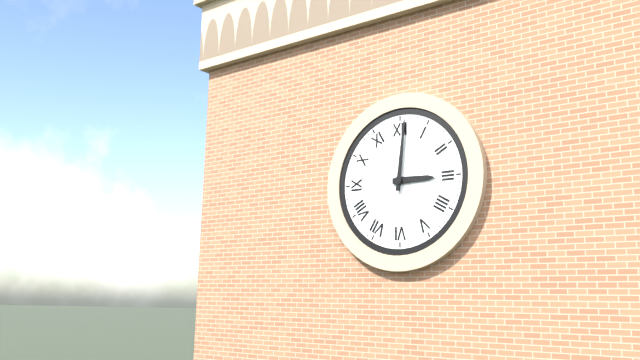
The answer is 3:01
